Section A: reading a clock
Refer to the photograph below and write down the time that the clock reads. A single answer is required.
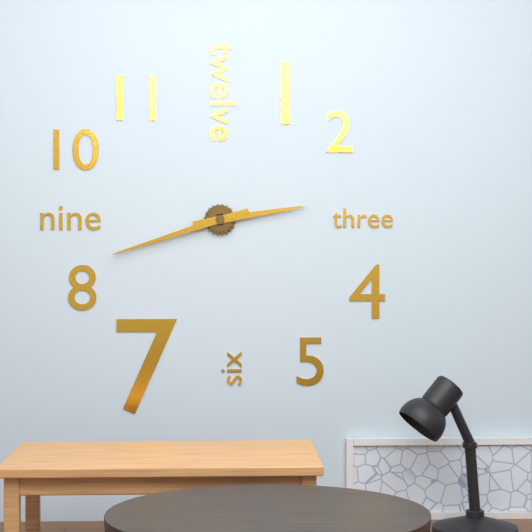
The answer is 2:42
